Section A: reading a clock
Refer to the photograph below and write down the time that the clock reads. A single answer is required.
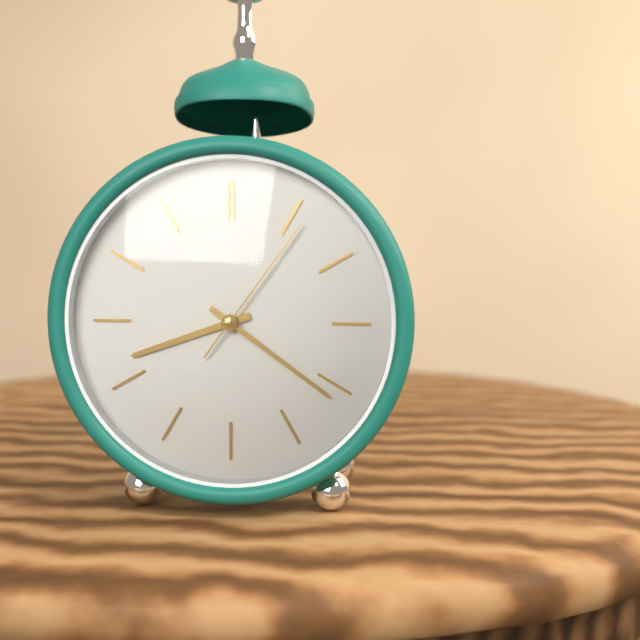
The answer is 8:21:06
